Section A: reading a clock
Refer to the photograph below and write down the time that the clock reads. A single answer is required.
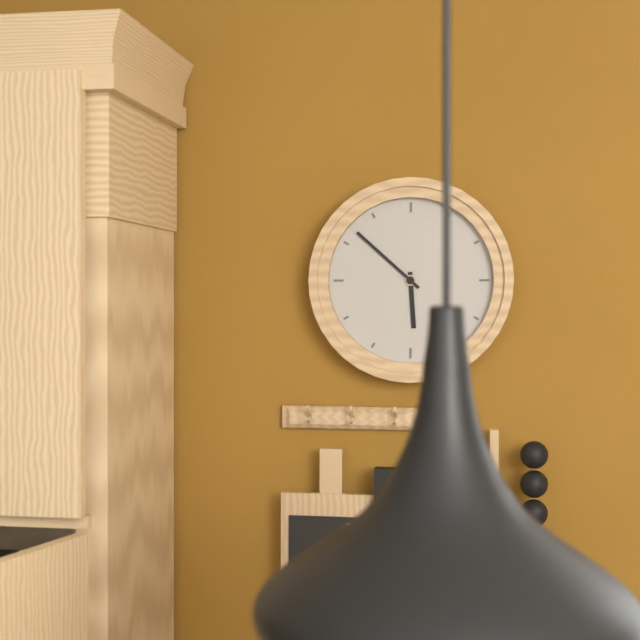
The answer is 5:52
